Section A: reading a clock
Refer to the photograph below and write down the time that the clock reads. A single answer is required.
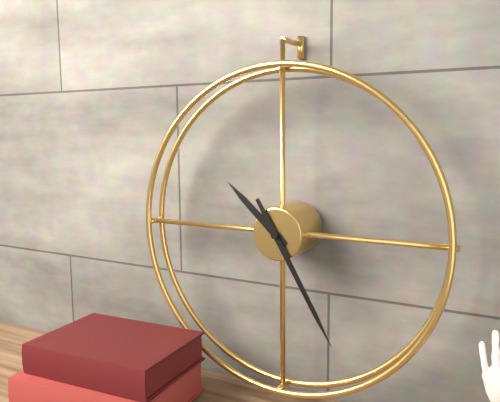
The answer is 10:25
